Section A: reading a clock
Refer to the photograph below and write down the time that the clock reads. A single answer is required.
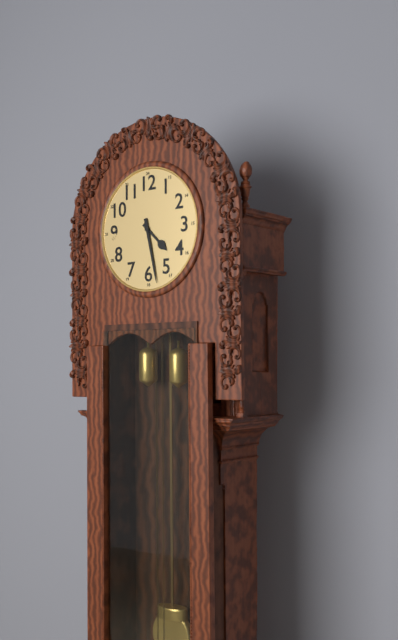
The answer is 4:28
